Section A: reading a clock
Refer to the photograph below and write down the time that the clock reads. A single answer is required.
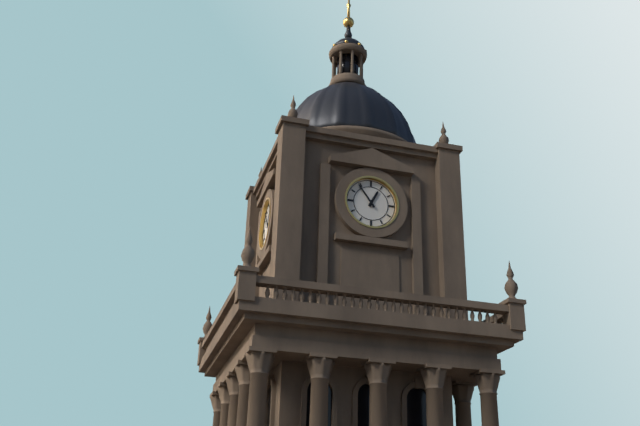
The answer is 12:54
